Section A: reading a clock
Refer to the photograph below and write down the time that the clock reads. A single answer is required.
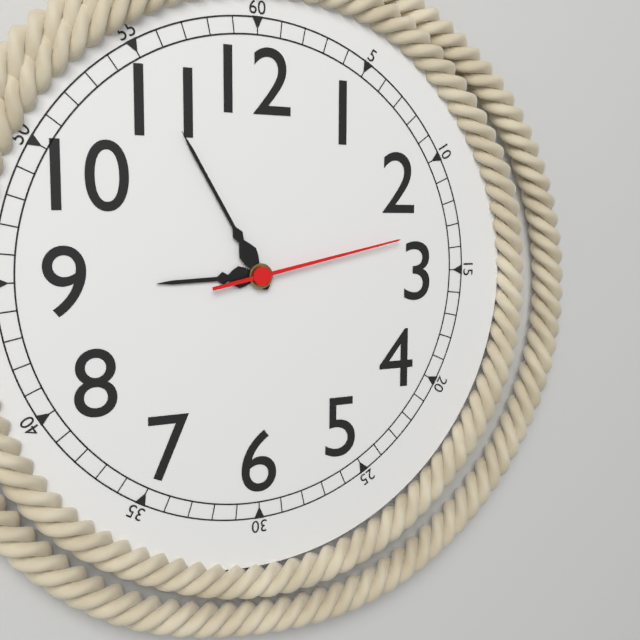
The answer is 8:55:13
